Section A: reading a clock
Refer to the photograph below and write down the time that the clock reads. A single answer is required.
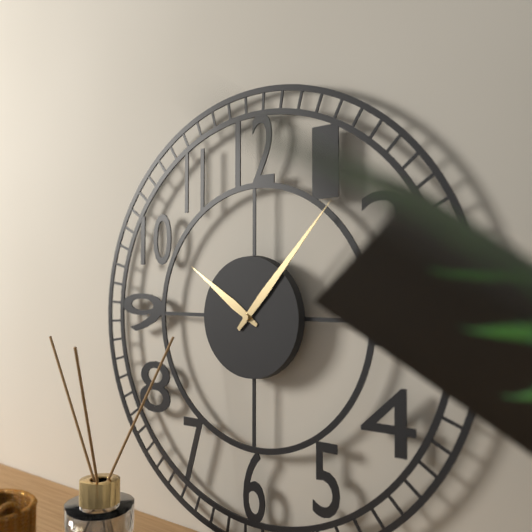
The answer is 10:07
